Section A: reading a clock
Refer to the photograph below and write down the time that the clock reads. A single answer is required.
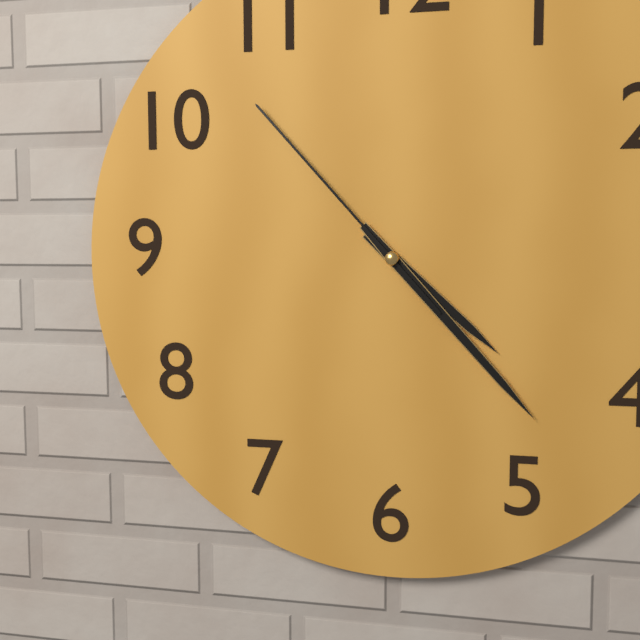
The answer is 4:23:53
